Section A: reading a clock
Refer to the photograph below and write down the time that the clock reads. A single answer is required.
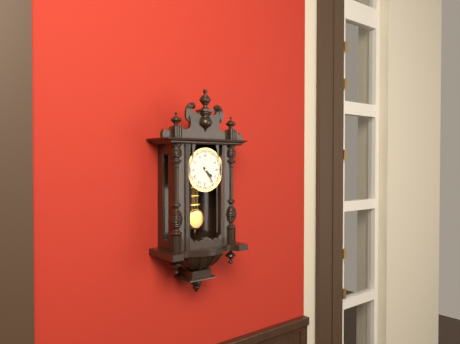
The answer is 4:24
